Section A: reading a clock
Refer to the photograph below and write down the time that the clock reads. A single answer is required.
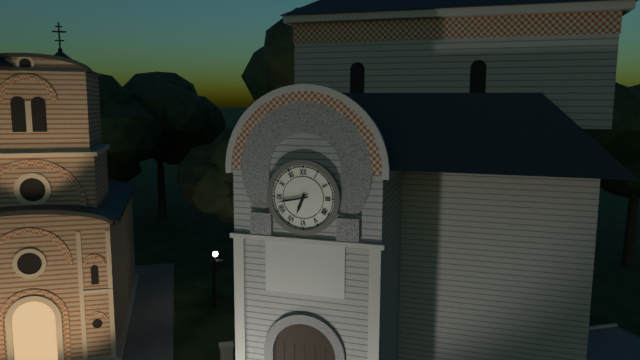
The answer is 6:43
